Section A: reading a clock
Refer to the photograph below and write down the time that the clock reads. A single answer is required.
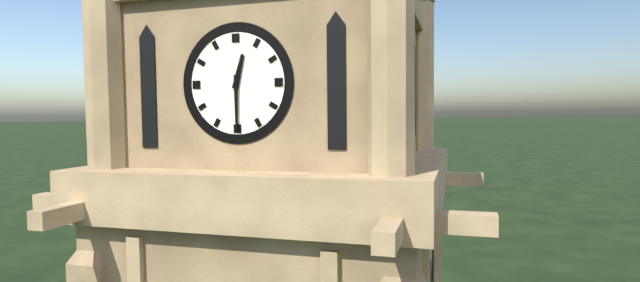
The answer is 12:30
